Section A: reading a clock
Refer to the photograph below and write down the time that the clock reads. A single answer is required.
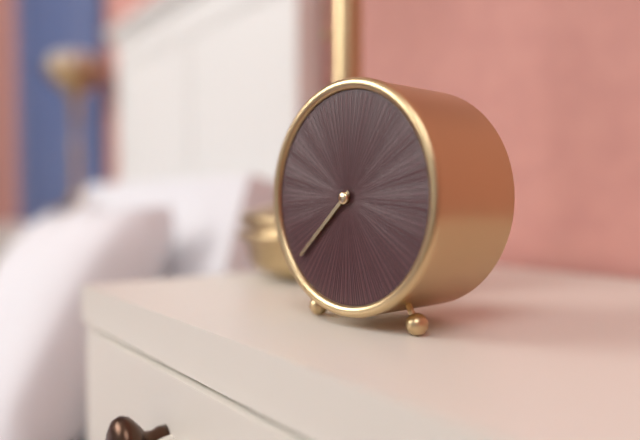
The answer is 7:38
